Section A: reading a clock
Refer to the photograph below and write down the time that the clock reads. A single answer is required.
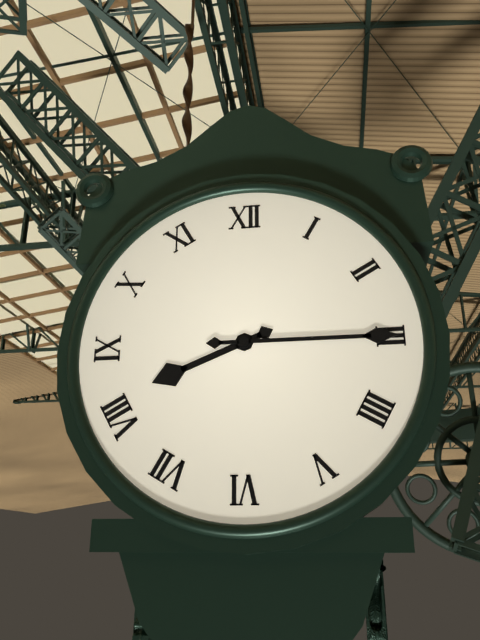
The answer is 8:15
